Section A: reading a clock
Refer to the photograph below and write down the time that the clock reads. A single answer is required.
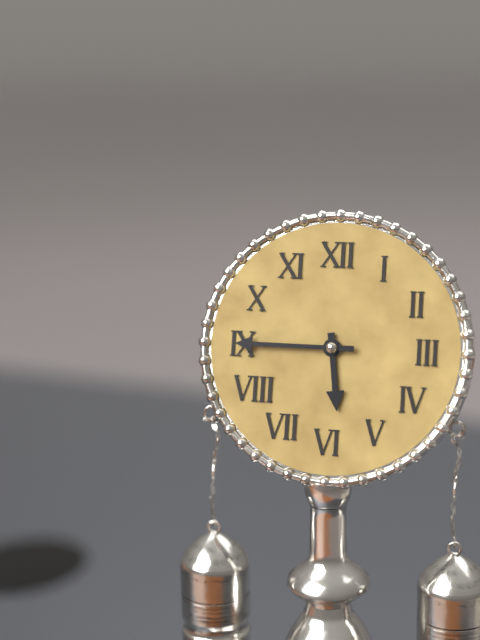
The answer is 5:45
